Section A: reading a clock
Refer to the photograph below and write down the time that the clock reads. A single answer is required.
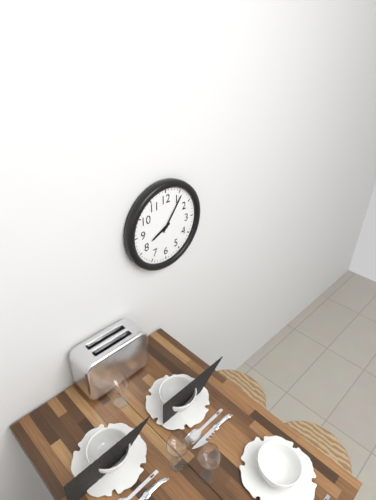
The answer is 8:06
